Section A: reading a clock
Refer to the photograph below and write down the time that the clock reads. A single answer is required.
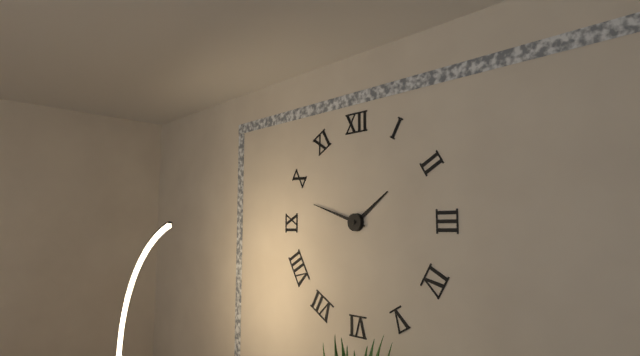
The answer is 1:48
